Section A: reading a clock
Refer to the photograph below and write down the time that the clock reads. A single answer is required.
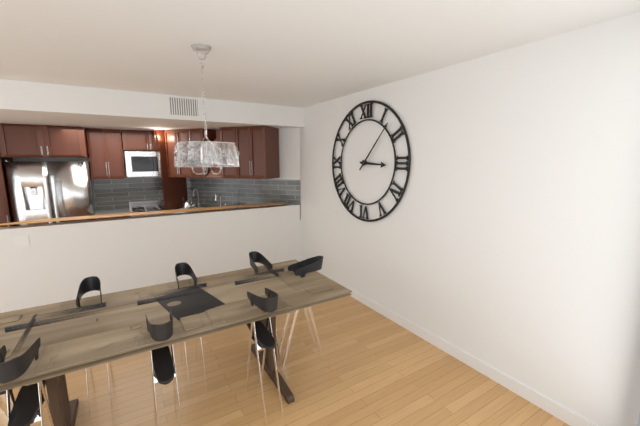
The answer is 3:07
